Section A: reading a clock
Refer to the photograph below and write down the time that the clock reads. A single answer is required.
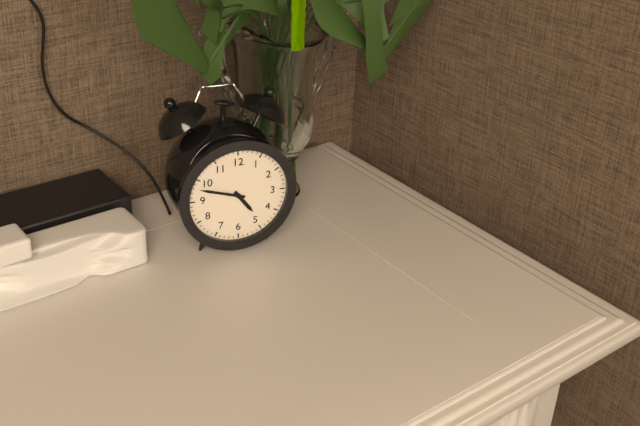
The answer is 4:48
